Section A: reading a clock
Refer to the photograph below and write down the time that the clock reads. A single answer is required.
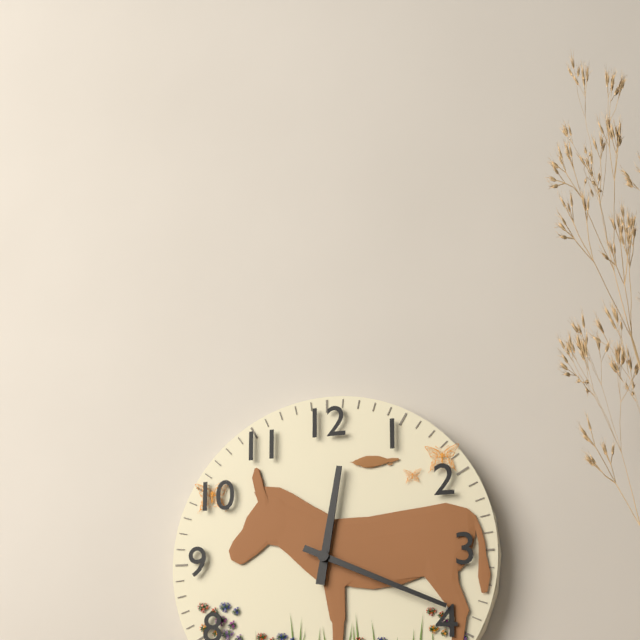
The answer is 12:19
